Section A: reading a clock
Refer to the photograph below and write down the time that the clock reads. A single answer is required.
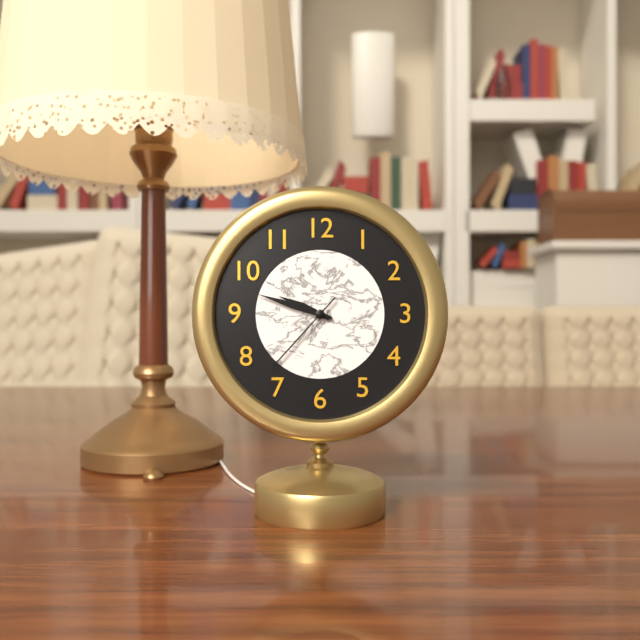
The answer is 9:48:37
